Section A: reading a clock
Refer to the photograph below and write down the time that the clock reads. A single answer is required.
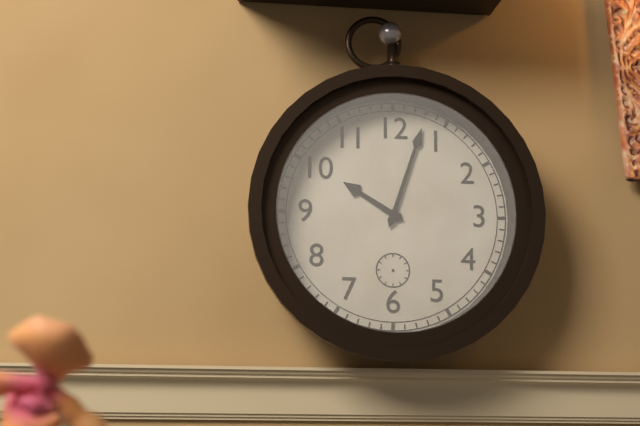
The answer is 10:03
